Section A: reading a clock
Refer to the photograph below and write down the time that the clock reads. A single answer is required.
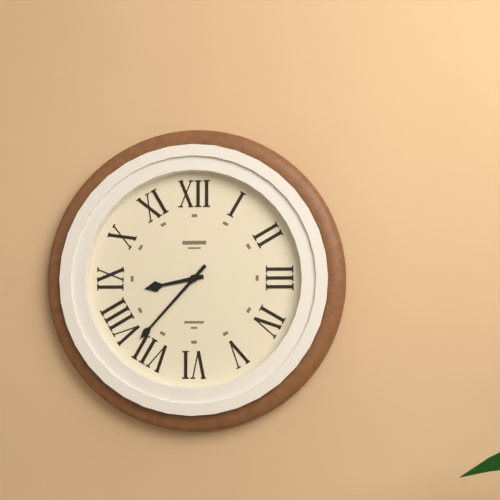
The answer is 8:37
